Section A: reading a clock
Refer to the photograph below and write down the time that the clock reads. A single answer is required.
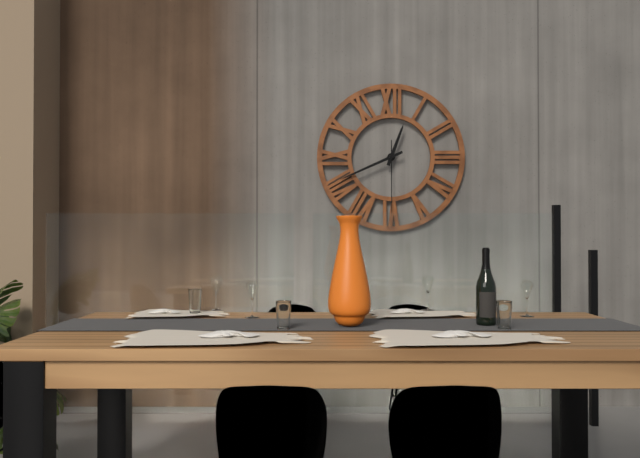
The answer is 12:41:30
